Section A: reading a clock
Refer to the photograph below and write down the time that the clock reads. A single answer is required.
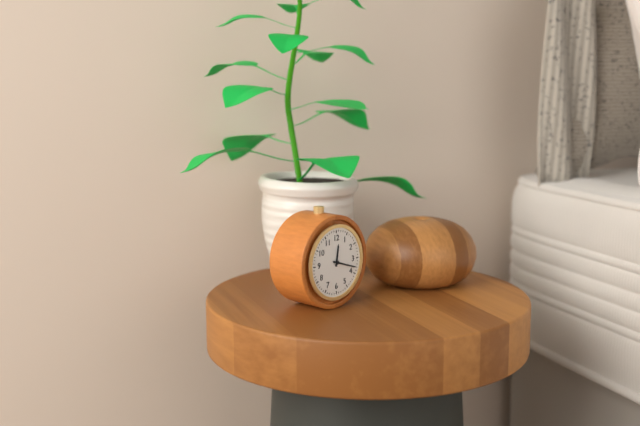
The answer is 12:18
